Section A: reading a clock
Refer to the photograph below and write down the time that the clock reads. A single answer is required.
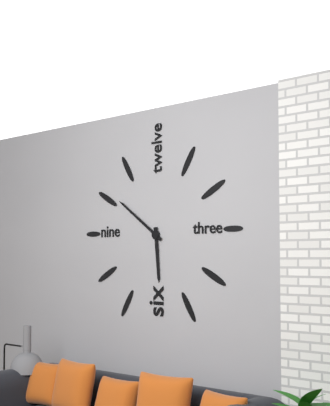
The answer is 5:51
